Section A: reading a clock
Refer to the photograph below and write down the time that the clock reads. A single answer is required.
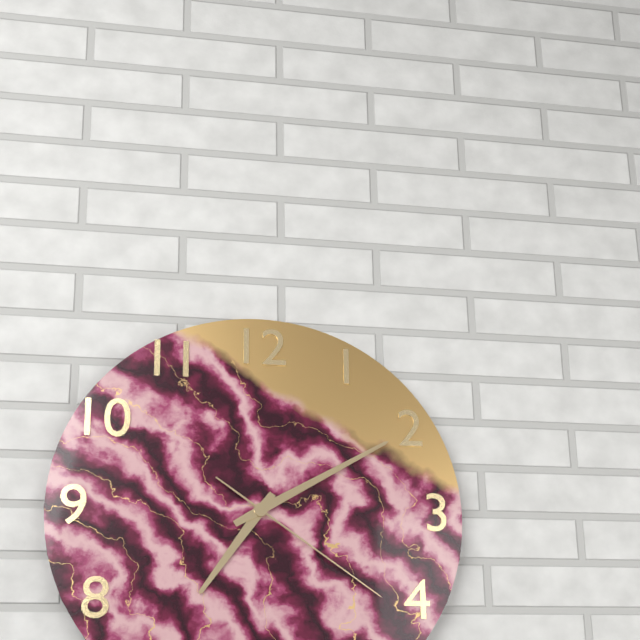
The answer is 7:10:21
